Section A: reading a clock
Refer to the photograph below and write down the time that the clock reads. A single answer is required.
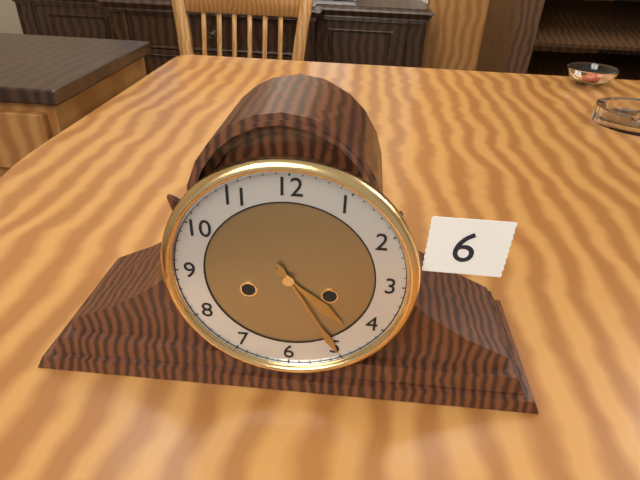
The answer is 4:25
